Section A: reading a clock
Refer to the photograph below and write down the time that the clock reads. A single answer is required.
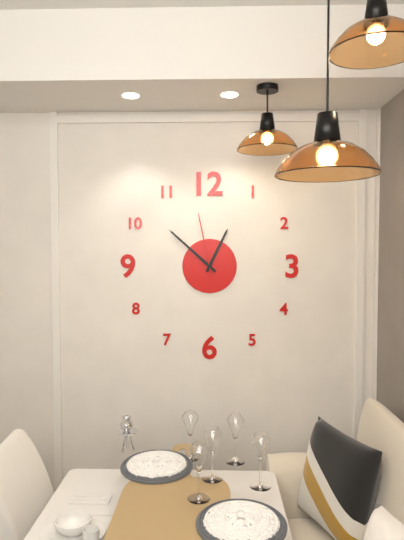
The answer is 12:52:58
